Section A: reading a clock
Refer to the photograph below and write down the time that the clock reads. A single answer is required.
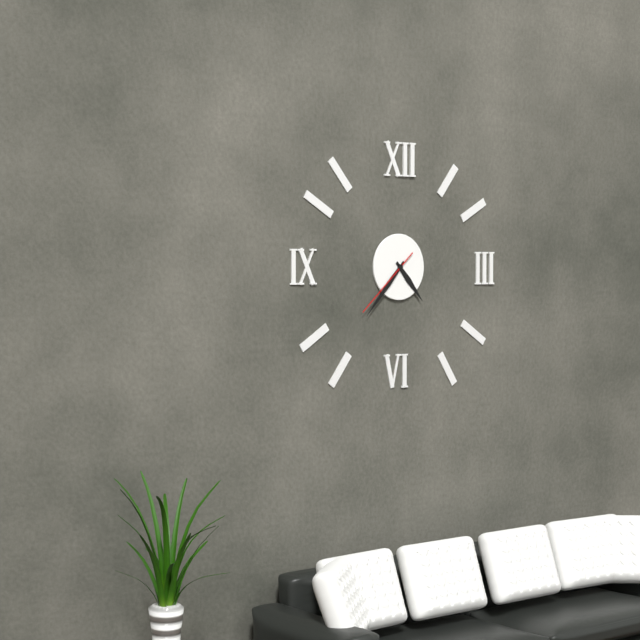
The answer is 4:37:38
